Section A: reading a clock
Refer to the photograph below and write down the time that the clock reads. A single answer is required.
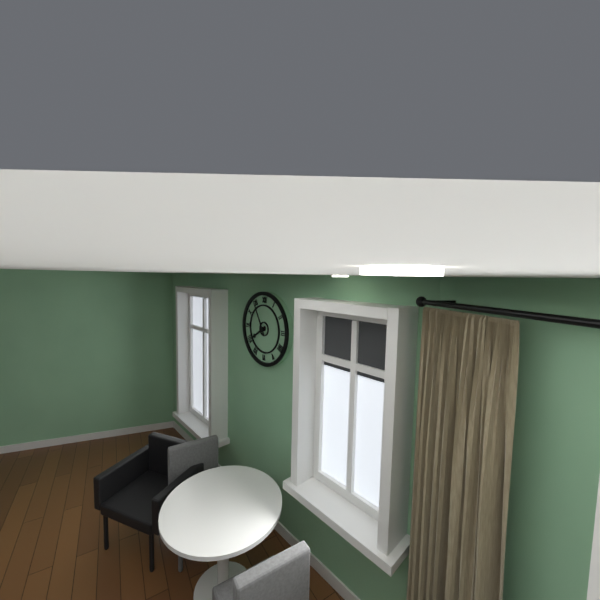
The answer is 7:55
